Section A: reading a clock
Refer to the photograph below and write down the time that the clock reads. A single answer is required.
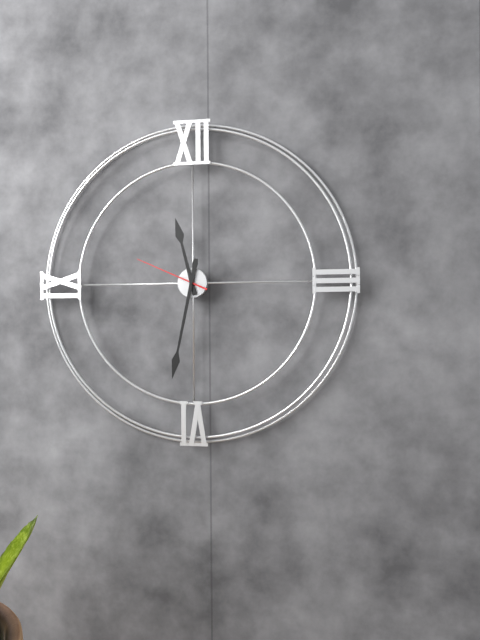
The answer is 11:32:49
